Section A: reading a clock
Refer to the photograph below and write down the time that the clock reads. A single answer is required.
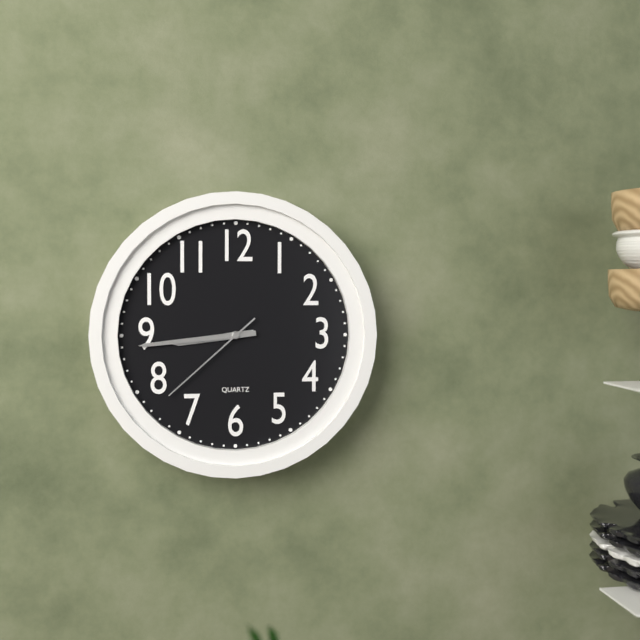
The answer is 8:44:38
